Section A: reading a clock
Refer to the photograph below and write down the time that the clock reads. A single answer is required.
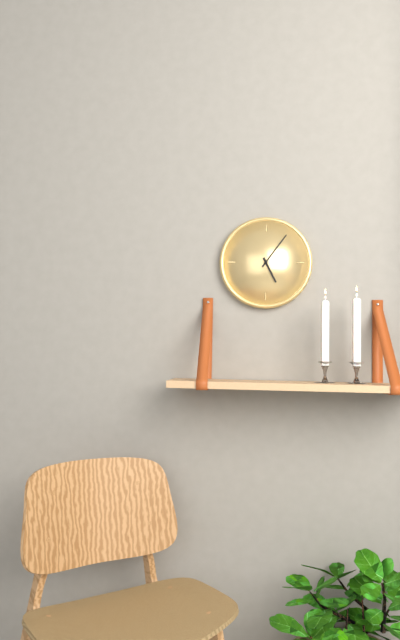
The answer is 5:06
